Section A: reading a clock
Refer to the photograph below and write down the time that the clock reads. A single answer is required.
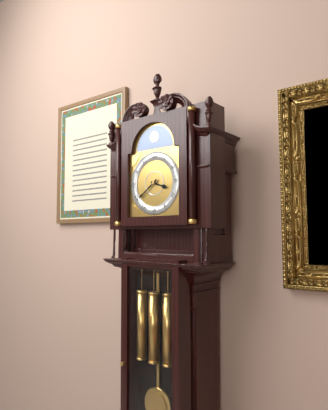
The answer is 3:39
